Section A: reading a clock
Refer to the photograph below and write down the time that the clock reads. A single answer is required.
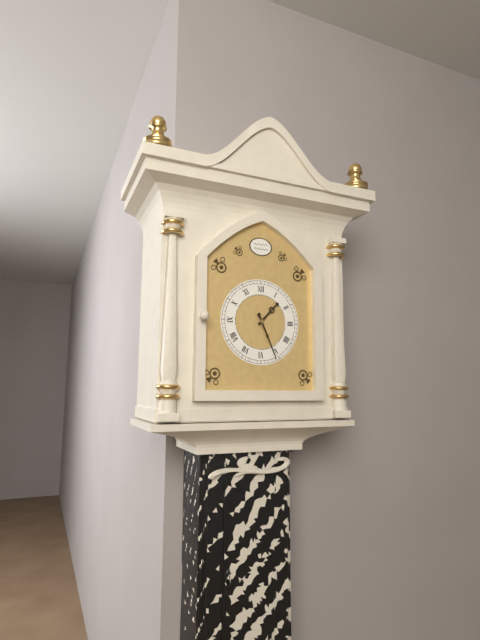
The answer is 1:26
